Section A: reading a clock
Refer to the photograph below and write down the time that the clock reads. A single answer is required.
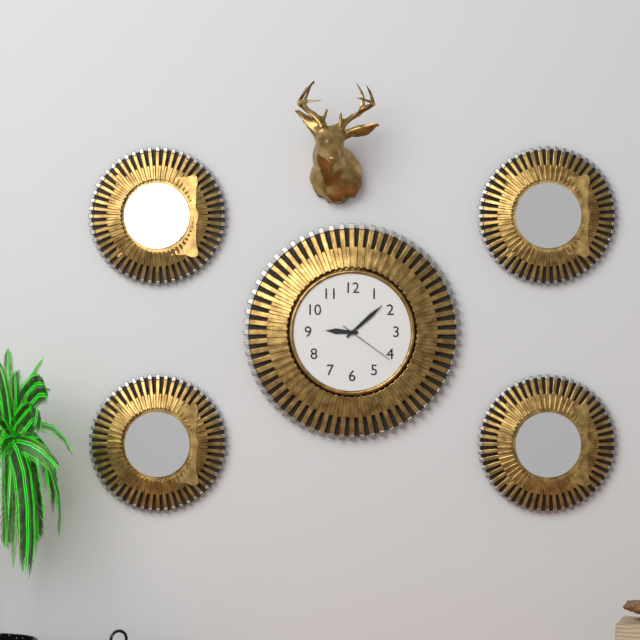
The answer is 9:08:21
